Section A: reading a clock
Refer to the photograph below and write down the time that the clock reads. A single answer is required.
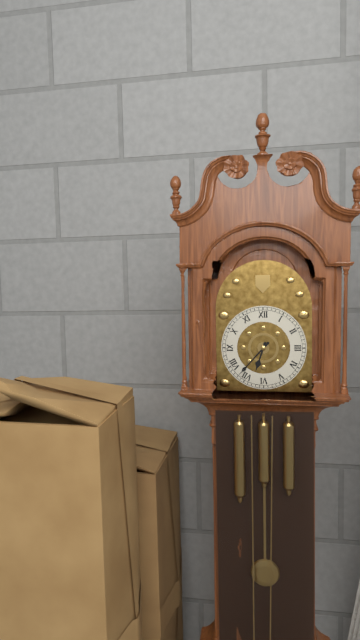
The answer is 6:37
